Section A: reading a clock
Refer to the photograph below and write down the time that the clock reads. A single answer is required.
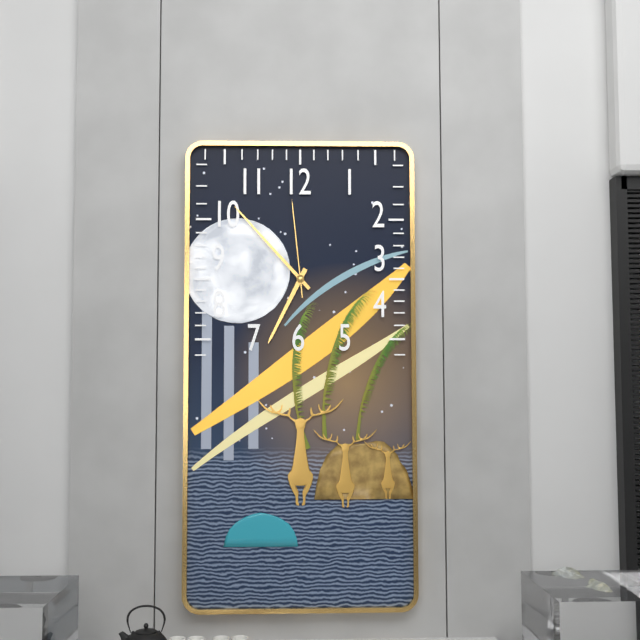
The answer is 6:53:59
